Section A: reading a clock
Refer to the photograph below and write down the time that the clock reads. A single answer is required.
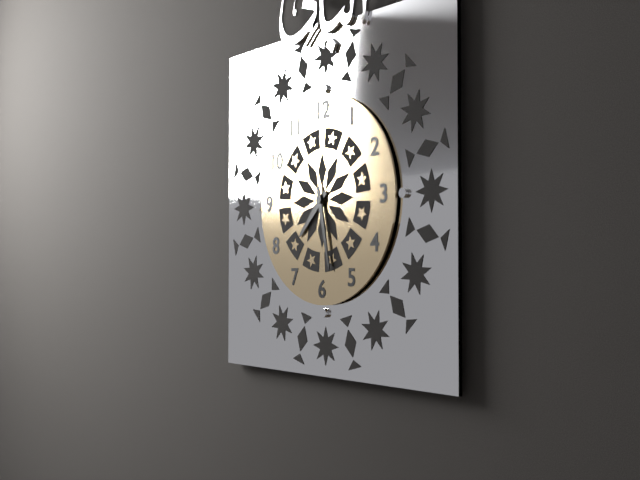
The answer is 7:28
